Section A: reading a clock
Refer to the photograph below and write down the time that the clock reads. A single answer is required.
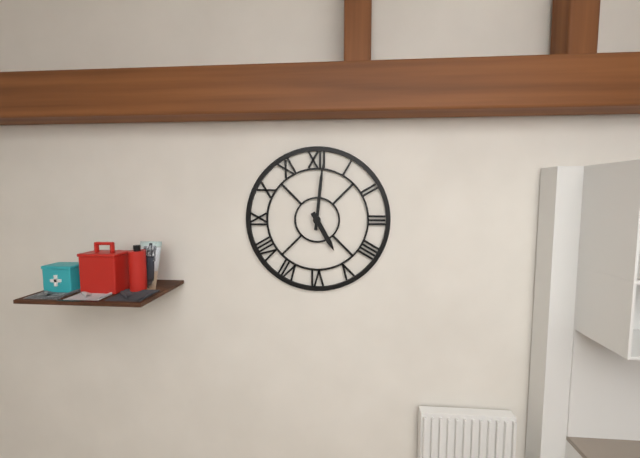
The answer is 5:01
